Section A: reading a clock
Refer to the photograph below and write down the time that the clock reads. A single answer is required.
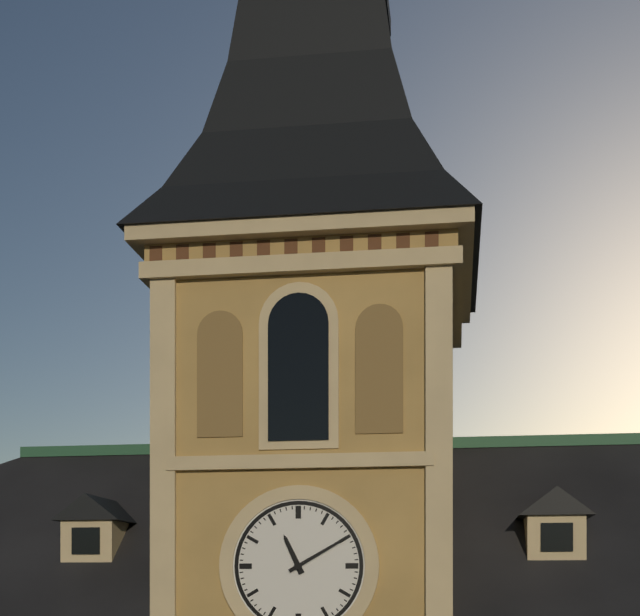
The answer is 11:10
